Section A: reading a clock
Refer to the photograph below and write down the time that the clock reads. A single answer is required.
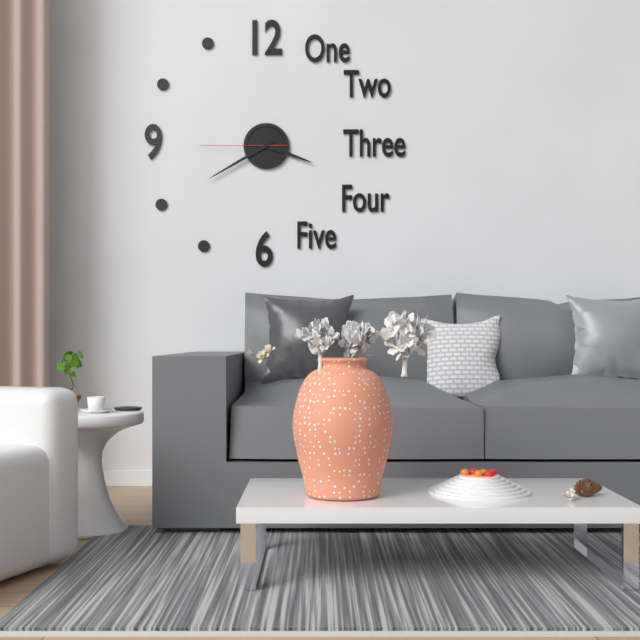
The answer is 3:40:45
